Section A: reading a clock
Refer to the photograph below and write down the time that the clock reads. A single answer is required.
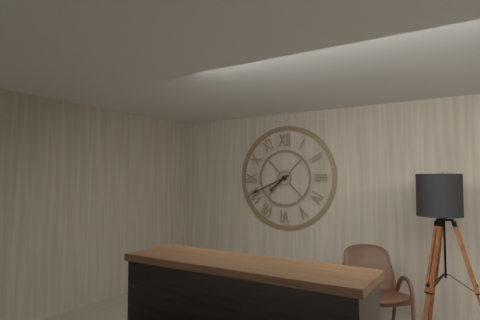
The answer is 7:41
